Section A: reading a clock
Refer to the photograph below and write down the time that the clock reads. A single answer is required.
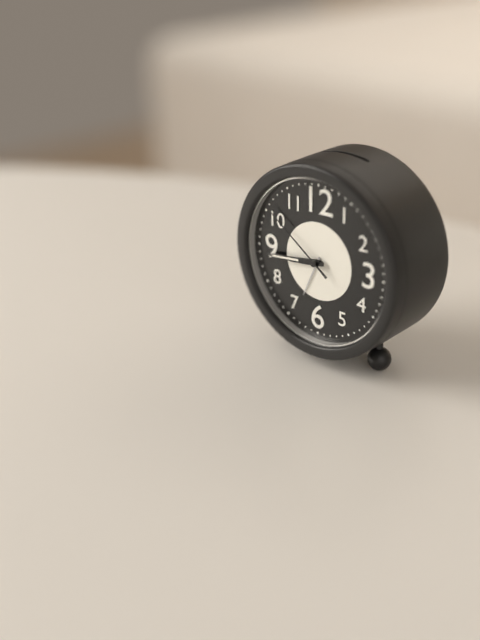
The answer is 8:44:51
